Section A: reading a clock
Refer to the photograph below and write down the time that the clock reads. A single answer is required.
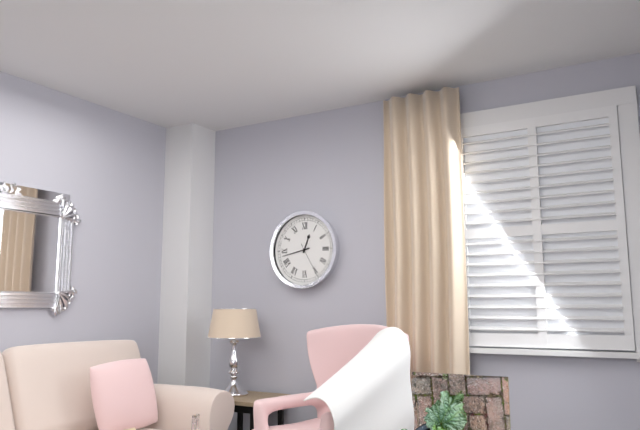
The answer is 12:43
